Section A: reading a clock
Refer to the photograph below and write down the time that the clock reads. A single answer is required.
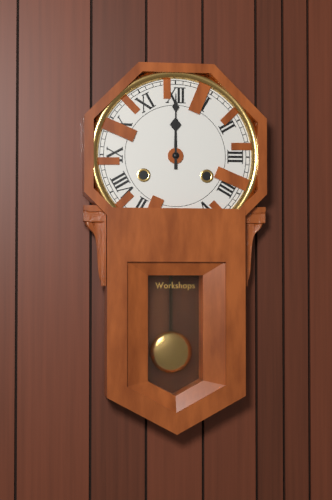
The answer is 12:00
